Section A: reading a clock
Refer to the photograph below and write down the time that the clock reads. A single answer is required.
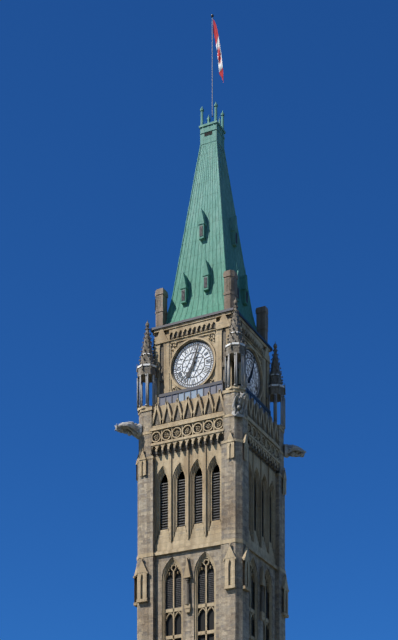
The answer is 7:03
